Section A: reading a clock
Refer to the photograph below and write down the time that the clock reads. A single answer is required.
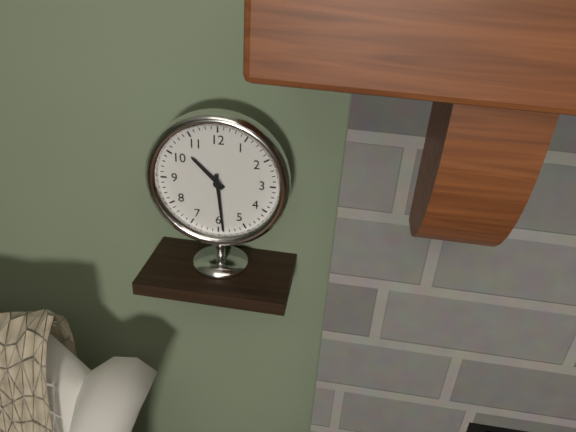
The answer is 10:29
